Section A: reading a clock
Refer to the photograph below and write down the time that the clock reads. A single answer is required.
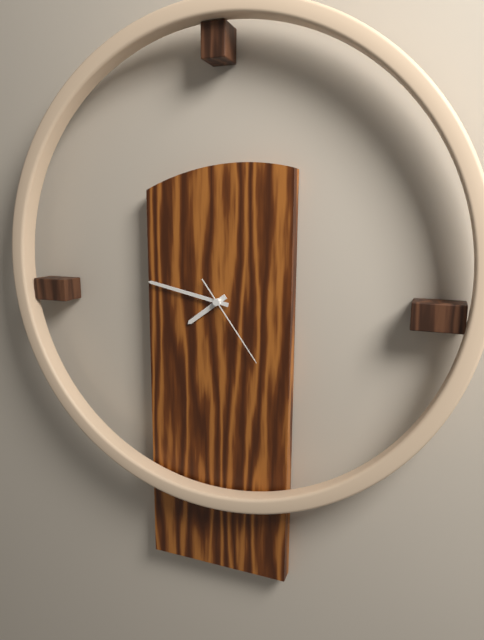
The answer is 7:47:24
